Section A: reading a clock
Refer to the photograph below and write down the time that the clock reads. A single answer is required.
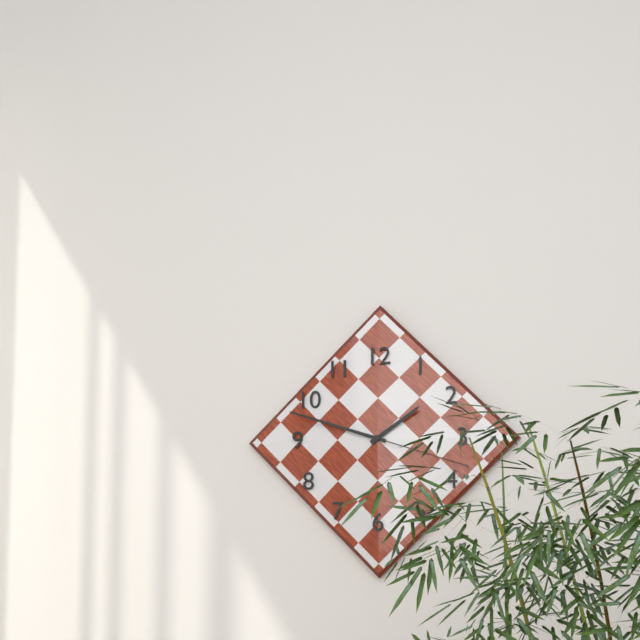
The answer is 1:48:18
